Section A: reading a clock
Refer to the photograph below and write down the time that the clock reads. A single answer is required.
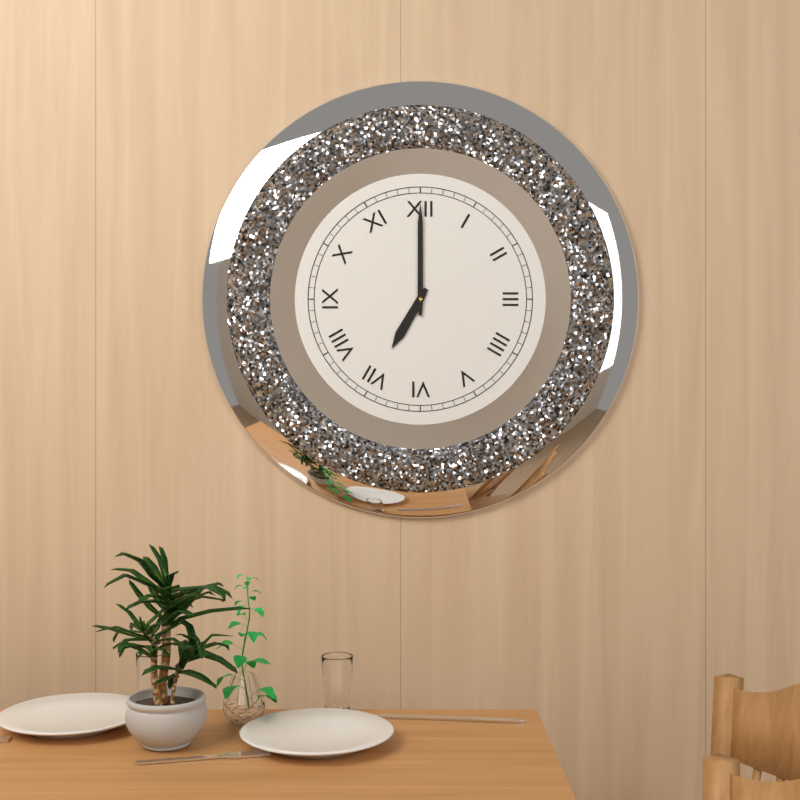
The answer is 7:00
